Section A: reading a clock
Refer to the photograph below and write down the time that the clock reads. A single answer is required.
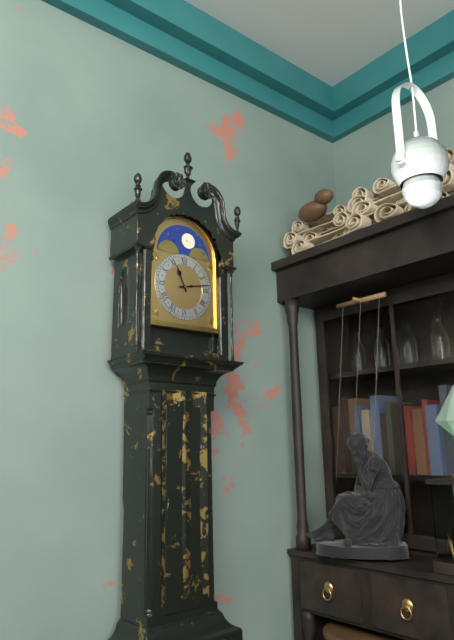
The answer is 11:13
